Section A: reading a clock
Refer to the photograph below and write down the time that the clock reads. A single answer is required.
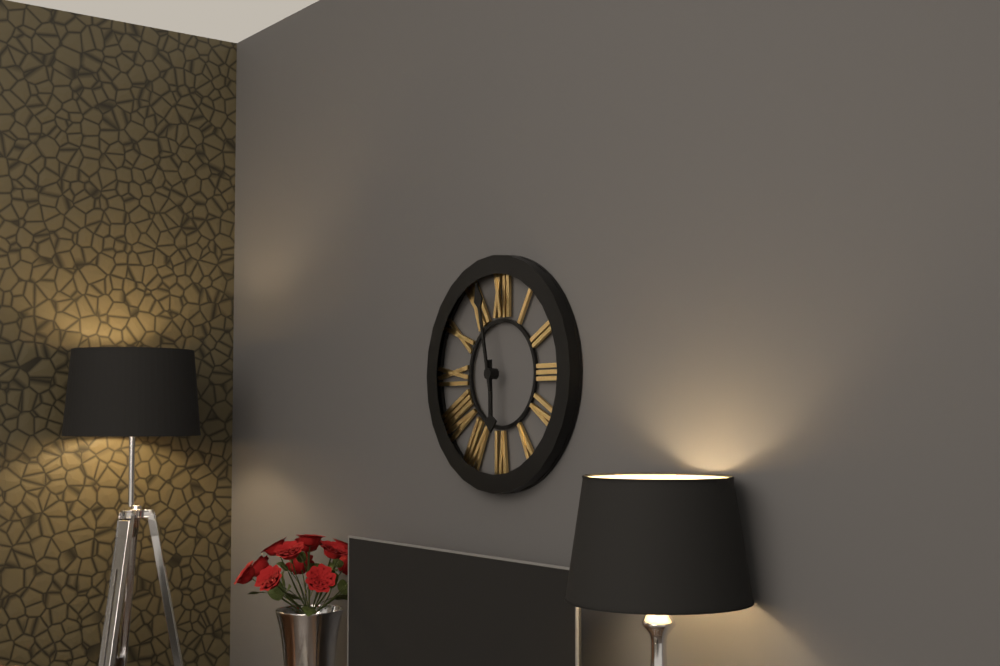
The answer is 5:58
